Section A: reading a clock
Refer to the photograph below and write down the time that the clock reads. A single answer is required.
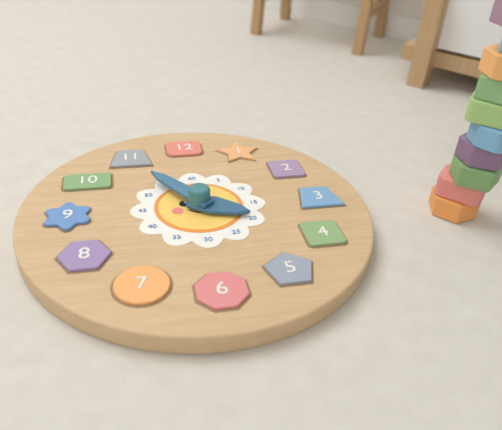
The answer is 3:54
